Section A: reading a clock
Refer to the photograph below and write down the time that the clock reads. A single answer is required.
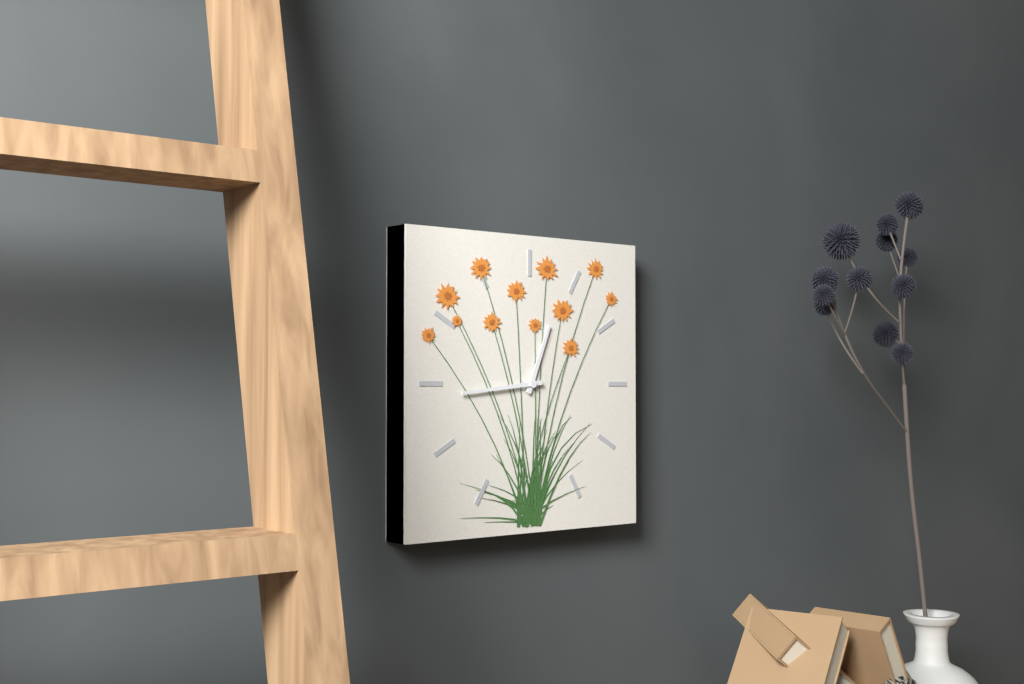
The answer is 12:44
